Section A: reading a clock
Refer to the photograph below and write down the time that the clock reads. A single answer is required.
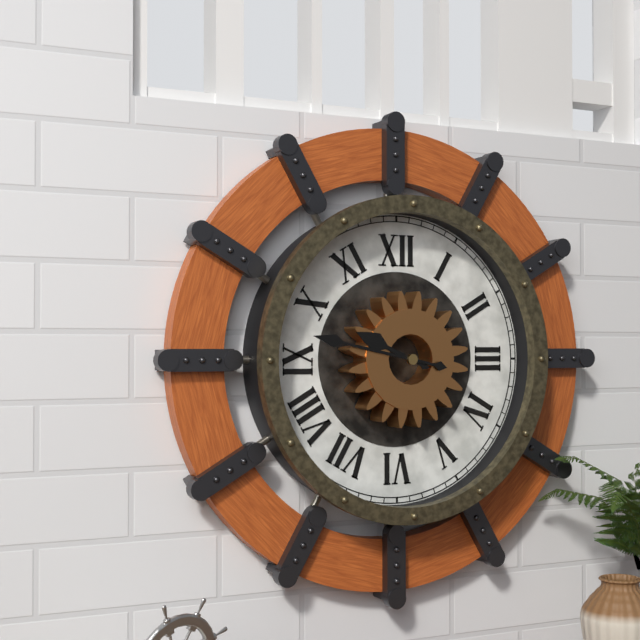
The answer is 9:47
